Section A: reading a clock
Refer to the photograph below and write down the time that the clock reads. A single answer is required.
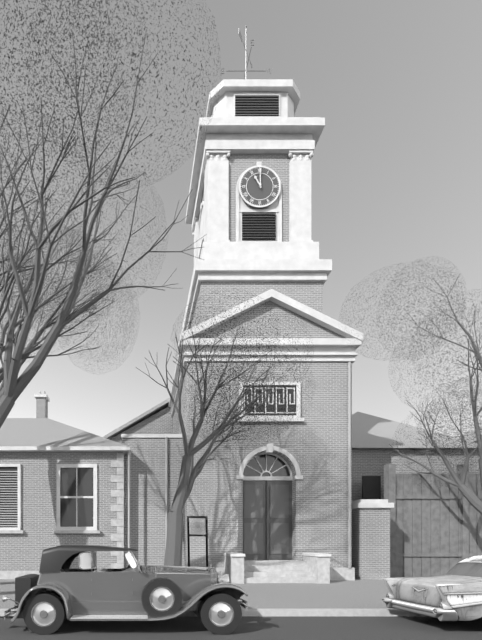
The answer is 11:00
